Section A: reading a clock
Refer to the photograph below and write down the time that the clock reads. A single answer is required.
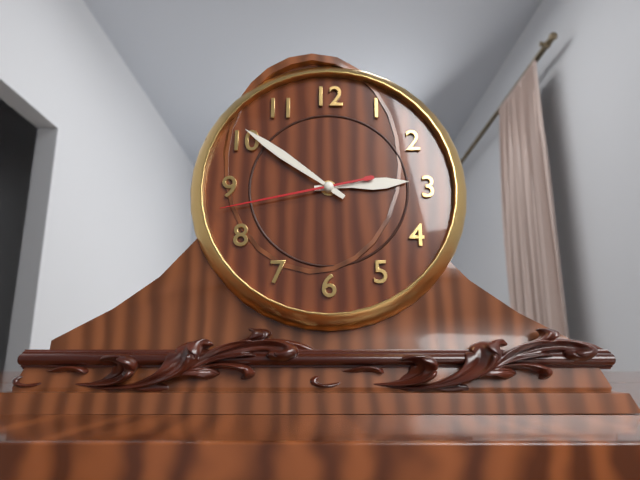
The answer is 2:51:43
